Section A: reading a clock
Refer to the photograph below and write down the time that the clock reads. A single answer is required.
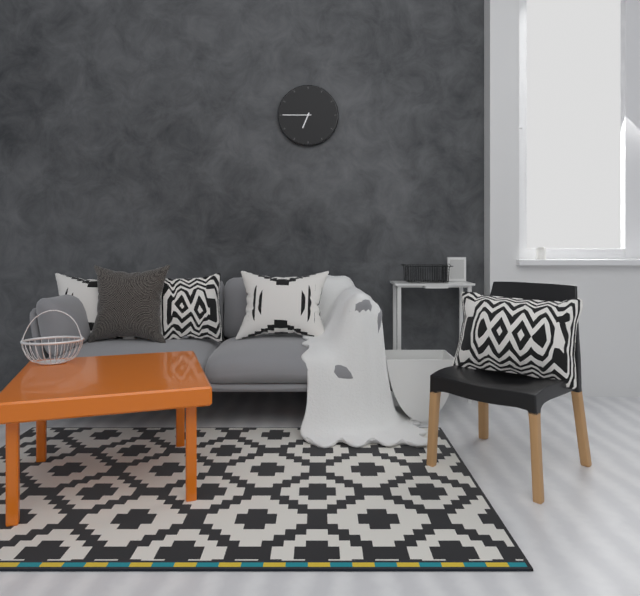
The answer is 6:45
